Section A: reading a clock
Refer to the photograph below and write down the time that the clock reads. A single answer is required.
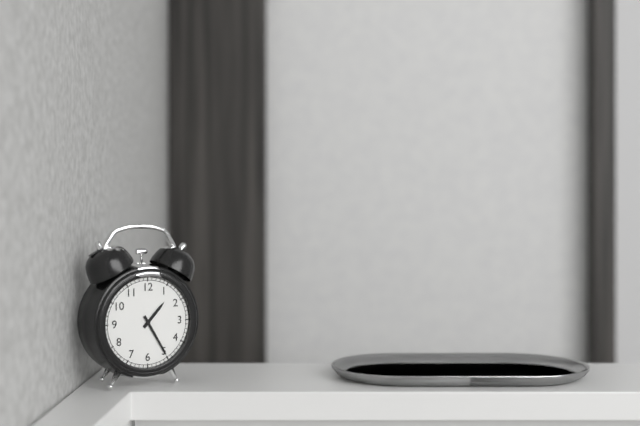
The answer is 1:25
